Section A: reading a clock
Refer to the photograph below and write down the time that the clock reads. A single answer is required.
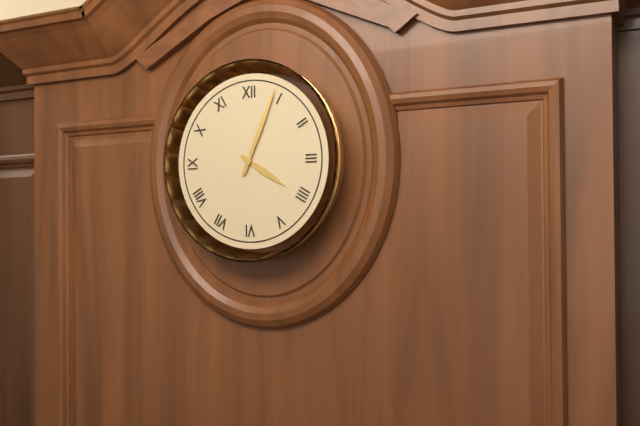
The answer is 4:04
